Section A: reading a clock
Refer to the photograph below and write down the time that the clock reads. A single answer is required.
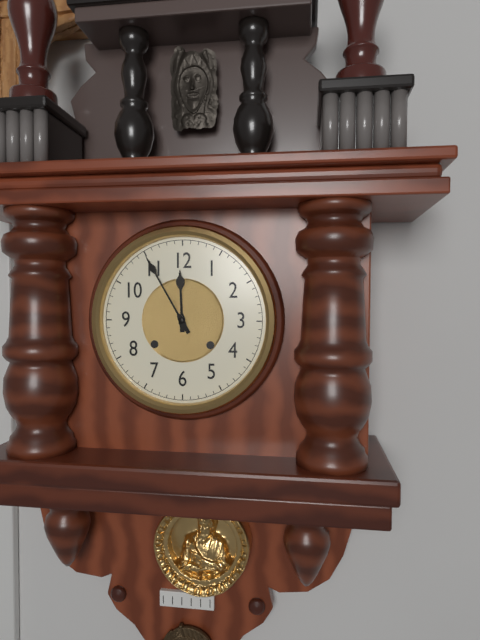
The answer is 11:55
